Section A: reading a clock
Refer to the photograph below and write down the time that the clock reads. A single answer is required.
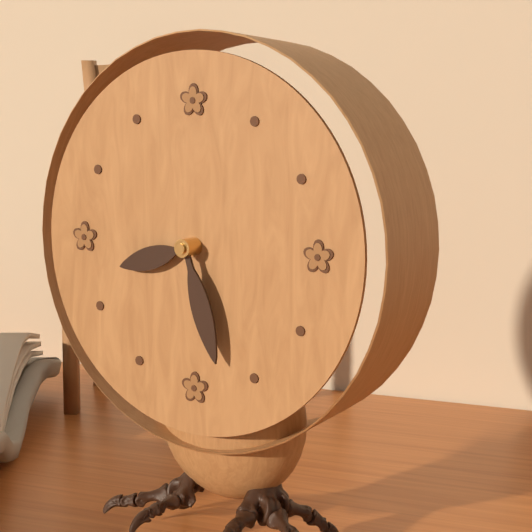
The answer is 8:27
